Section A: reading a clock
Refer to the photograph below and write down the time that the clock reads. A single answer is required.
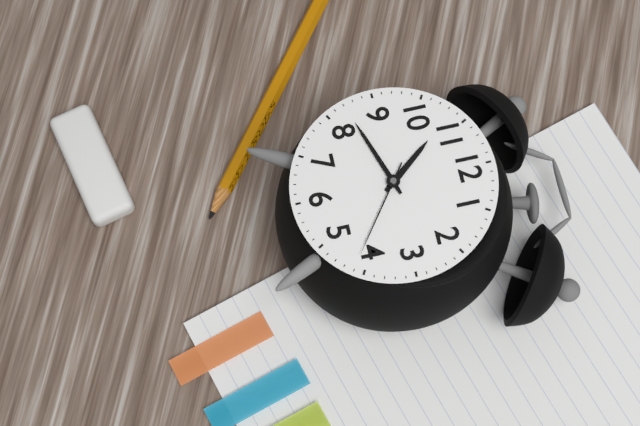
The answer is 10:42:21
